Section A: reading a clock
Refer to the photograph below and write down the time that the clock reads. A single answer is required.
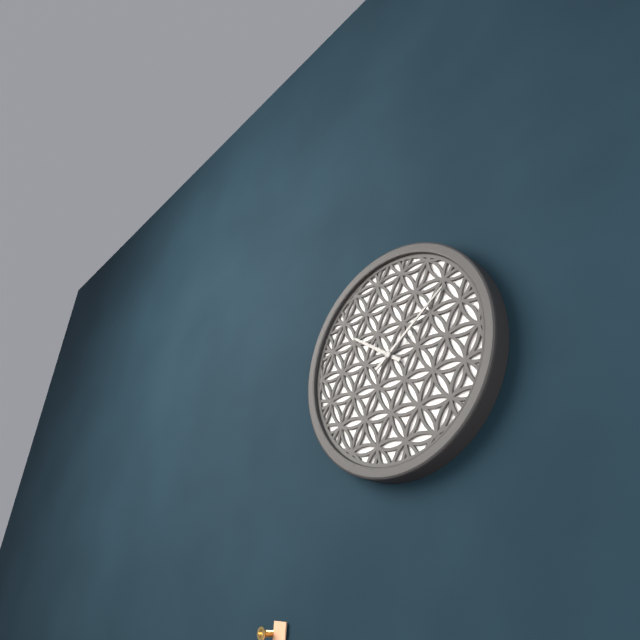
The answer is 10:09
